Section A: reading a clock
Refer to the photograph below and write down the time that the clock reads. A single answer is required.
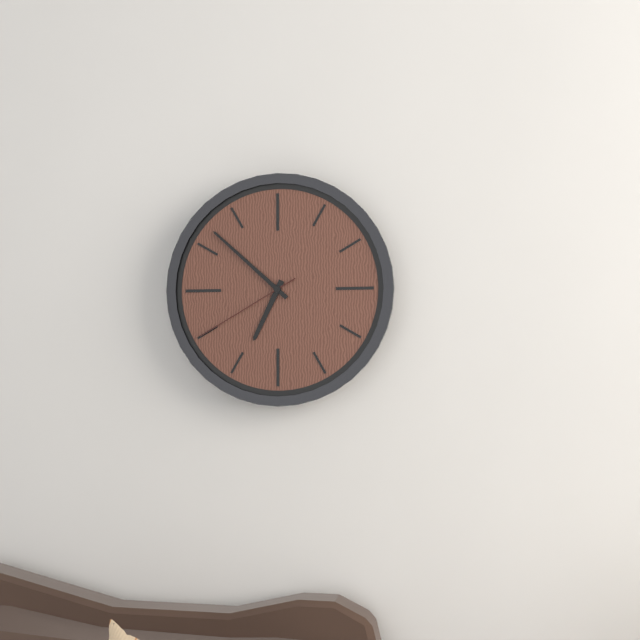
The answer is 6:52:40
